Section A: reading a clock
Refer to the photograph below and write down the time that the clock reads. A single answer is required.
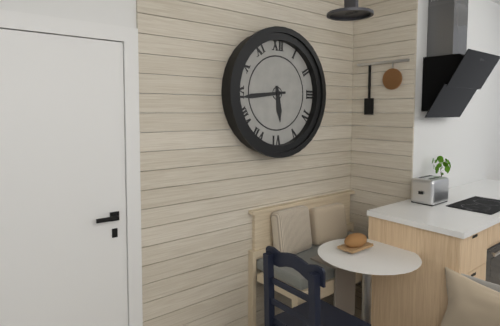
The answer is 5:44
